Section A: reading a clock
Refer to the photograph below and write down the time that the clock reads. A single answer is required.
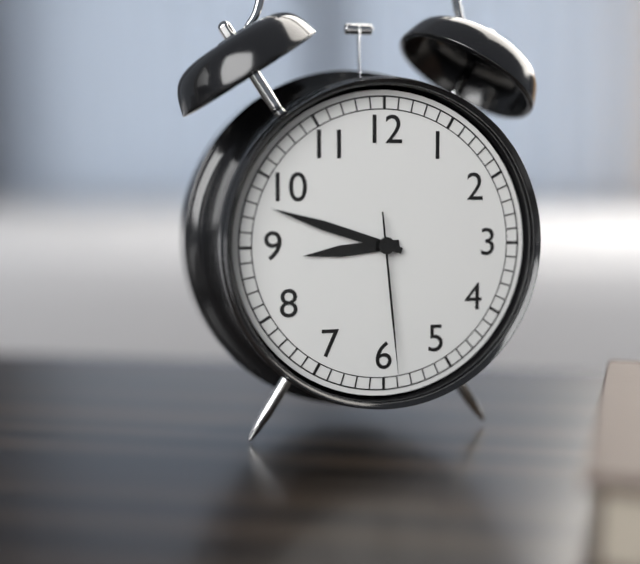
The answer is 8:48:29
